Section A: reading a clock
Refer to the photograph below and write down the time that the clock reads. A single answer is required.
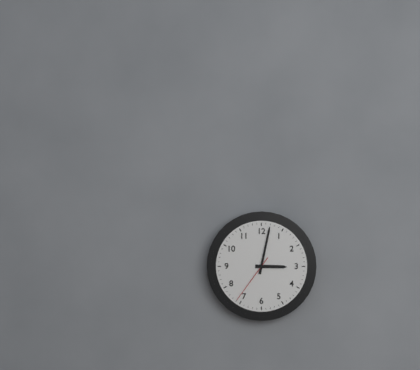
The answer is 3:02:36
